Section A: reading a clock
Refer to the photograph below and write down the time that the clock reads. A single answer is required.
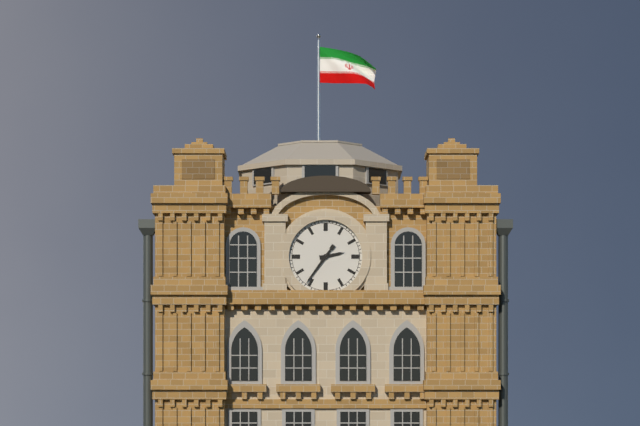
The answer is 2:36
